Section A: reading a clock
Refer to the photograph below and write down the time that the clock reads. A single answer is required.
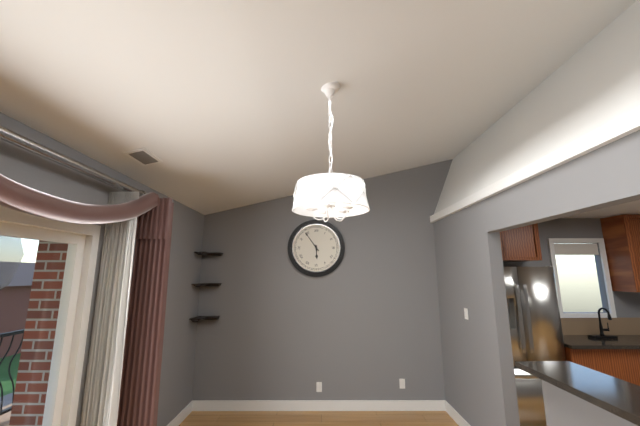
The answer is 5:54
